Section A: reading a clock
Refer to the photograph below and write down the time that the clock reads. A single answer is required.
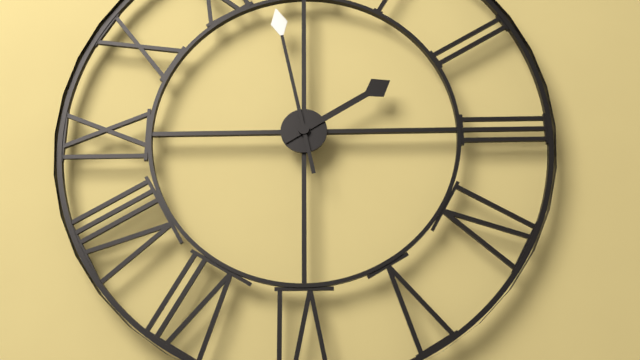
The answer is 1:58
